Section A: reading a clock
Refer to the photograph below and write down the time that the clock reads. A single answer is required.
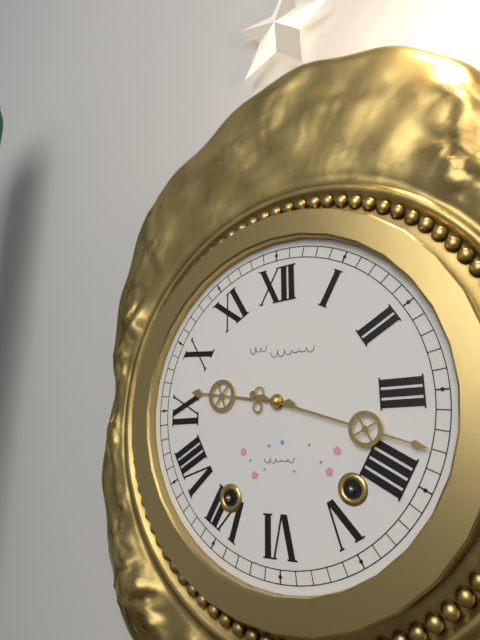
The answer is 9:18
